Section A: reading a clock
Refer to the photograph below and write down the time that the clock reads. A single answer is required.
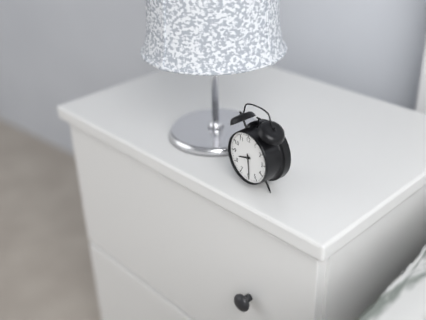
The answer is 8:29
